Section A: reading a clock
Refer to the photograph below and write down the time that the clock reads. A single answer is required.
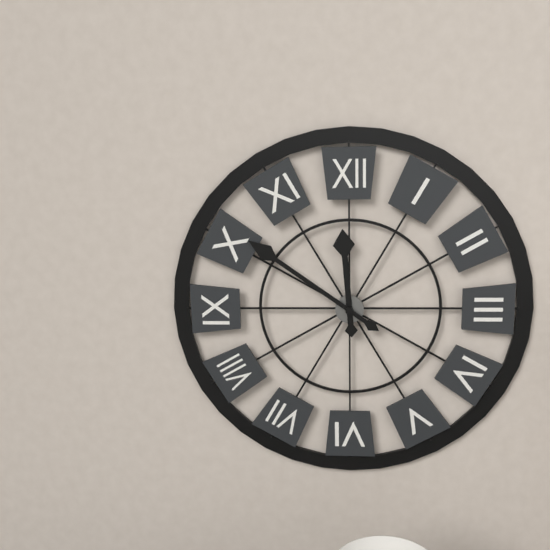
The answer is 11:51
